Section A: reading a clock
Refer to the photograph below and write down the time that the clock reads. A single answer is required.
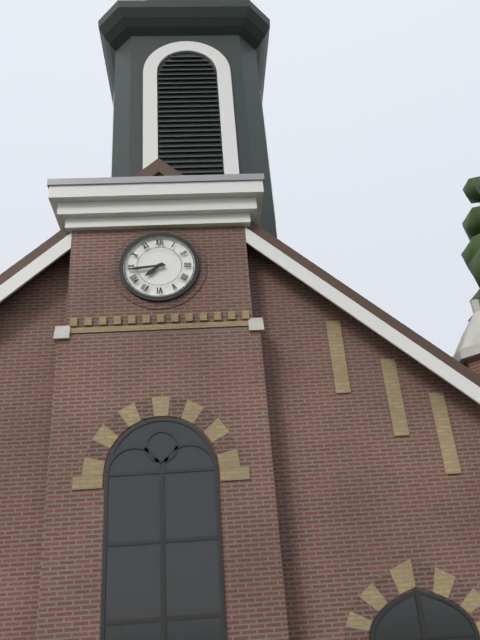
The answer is 7:44
